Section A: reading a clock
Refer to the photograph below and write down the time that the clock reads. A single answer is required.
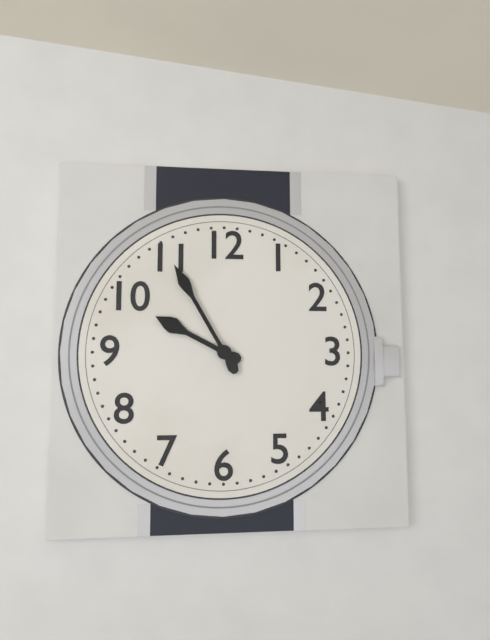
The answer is 9:55
